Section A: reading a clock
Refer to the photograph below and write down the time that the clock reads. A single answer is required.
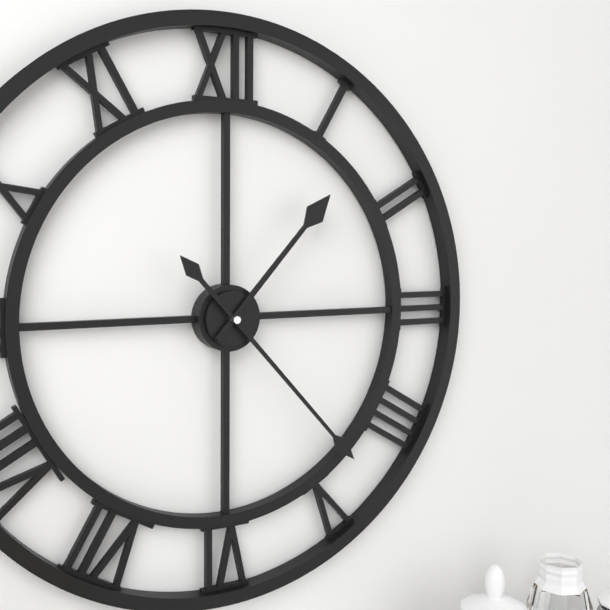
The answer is 1:23
